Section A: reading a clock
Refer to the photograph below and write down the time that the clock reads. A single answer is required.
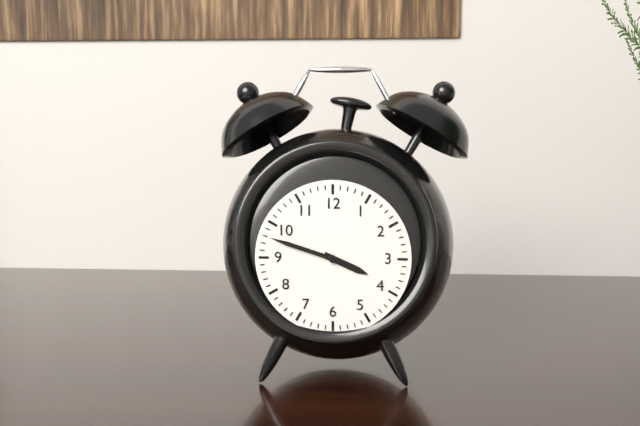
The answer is 3:48
